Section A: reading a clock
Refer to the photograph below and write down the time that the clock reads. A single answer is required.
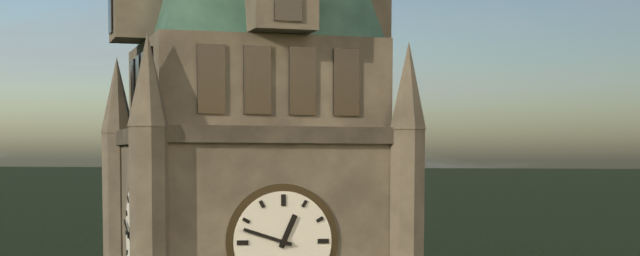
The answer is 12:48
